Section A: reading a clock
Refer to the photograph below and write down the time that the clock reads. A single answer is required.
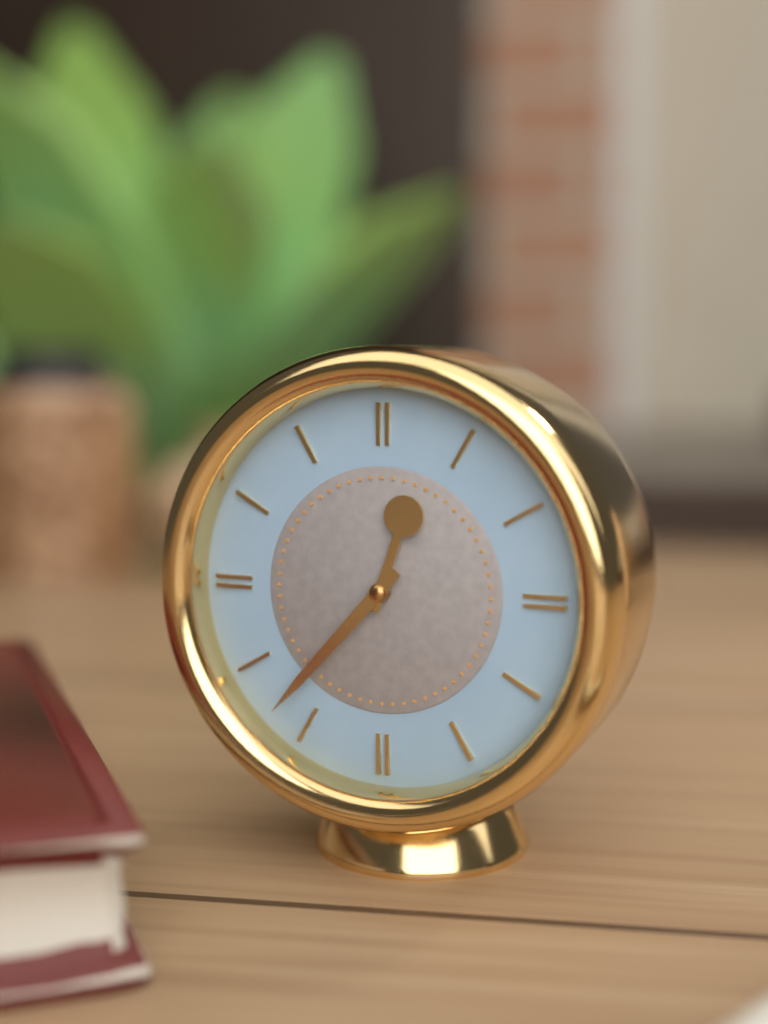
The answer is 12:37
